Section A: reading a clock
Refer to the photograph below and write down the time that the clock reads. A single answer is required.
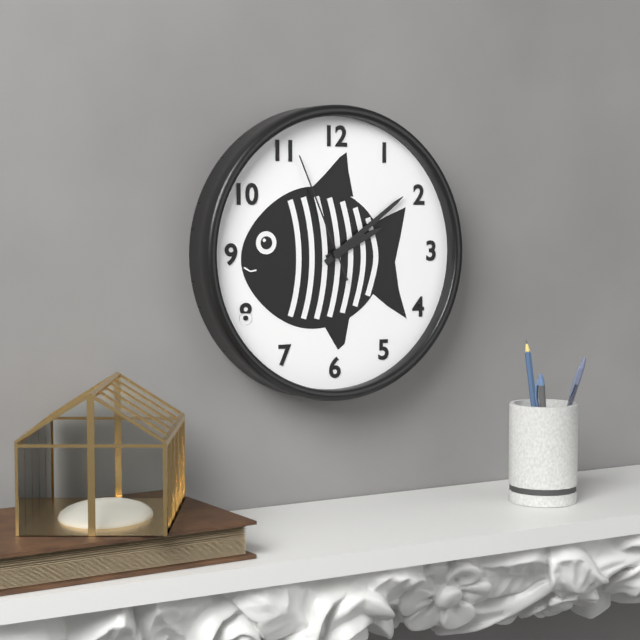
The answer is 2:09:56
